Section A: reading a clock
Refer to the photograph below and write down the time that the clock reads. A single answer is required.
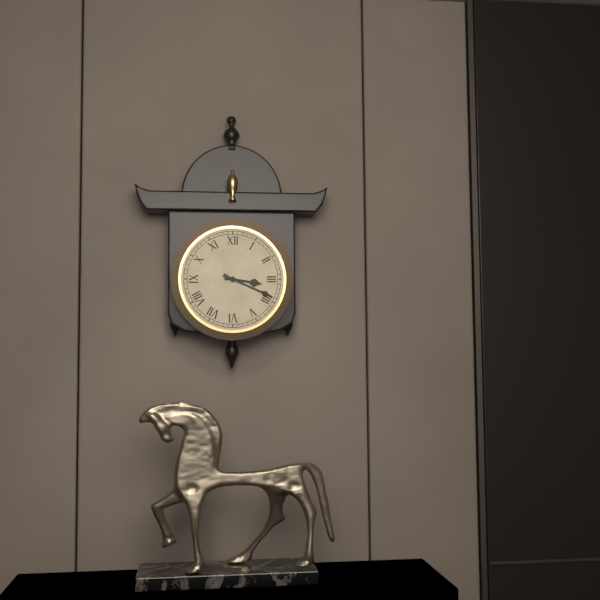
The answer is 3:19
